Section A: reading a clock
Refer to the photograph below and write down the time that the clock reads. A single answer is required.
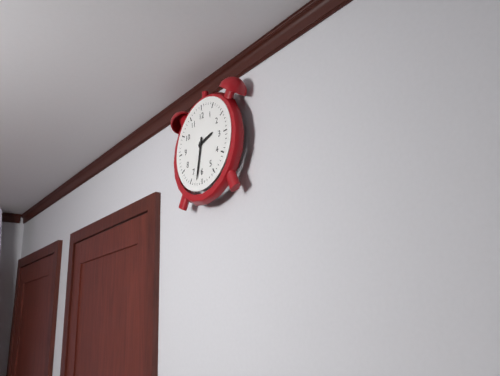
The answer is 2:32
